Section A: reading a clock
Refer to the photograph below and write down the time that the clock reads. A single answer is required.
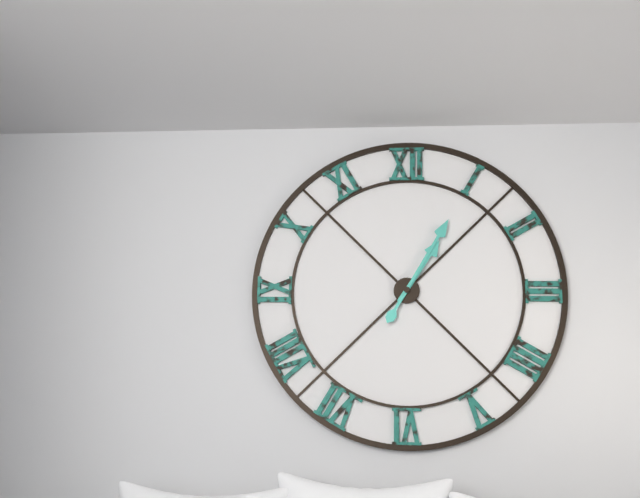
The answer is 1:05
